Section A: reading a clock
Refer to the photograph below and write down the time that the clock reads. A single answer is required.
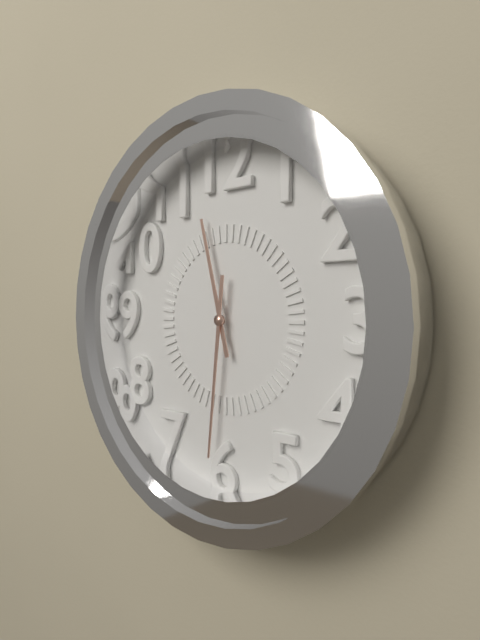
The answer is 11:31
